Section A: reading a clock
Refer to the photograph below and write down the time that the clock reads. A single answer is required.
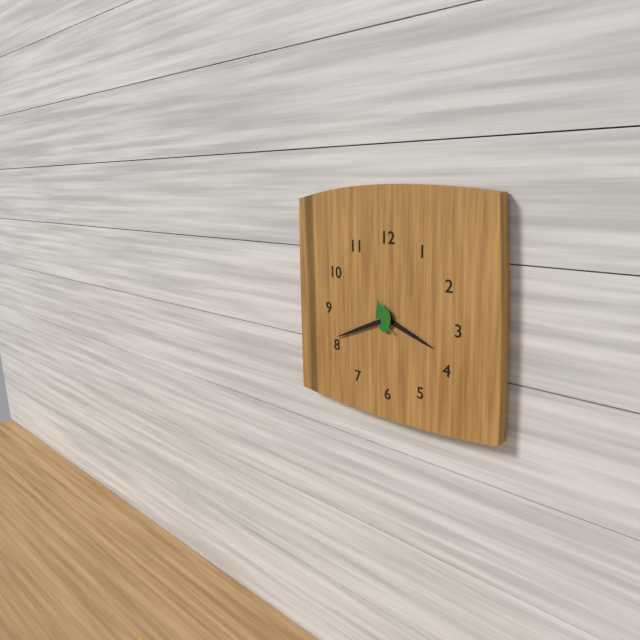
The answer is 3:41
